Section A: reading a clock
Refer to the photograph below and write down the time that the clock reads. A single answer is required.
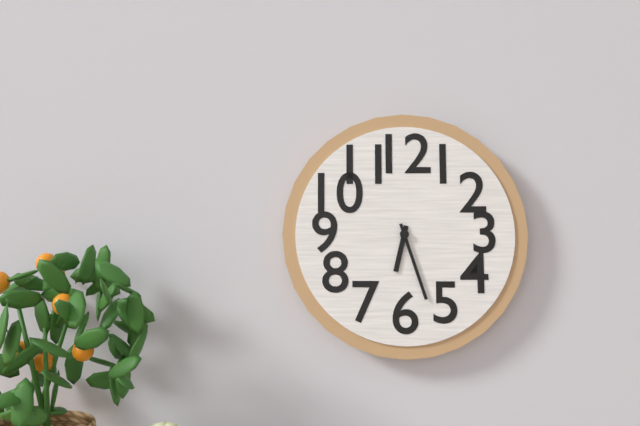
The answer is 6:27
